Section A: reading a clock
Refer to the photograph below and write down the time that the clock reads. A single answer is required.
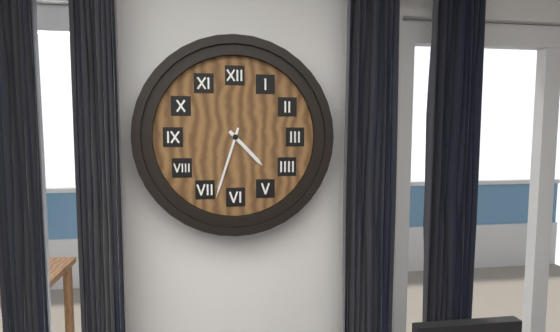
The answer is 4:33
